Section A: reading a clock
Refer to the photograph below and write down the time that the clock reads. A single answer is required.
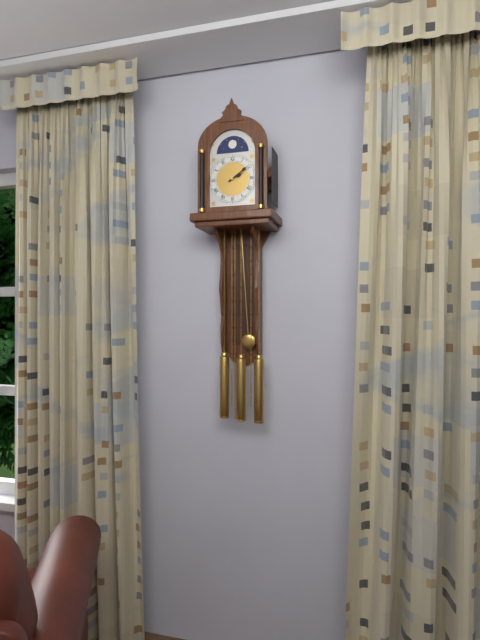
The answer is 2:09
